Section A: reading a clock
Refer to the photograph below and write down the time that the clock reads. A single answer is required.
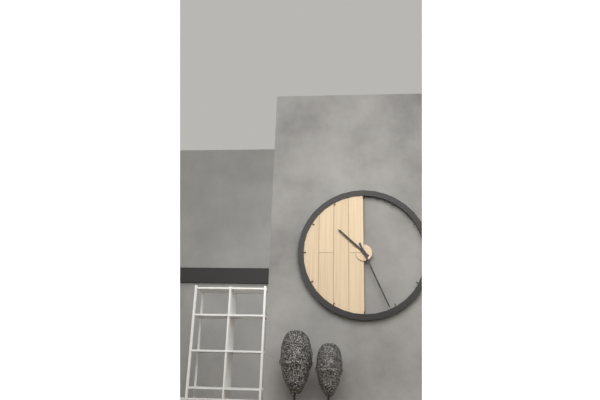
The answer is 10:26
